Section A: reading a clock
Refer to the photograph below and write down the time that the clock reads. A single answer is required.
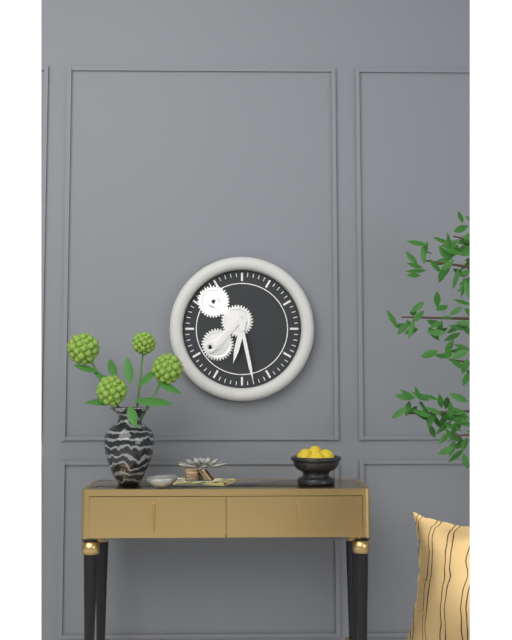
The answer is 6:28
